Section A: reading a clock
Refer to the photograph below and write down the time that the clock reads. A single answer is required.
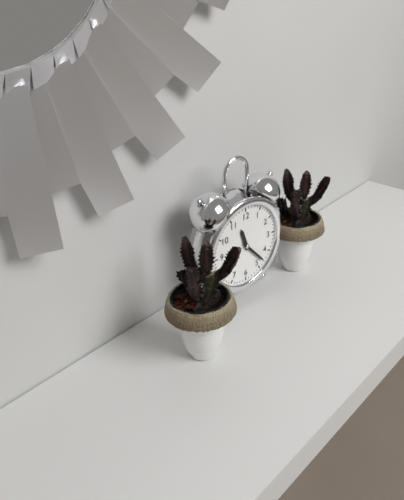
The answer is 11:23
